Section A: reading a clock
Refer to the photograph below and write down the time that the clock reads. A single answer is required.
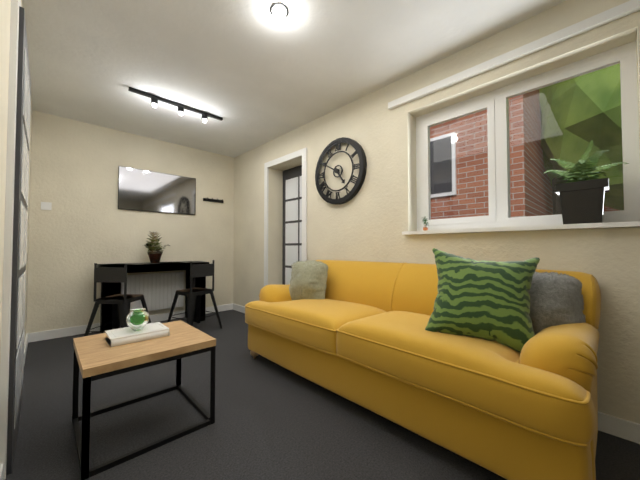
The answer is 4:50
